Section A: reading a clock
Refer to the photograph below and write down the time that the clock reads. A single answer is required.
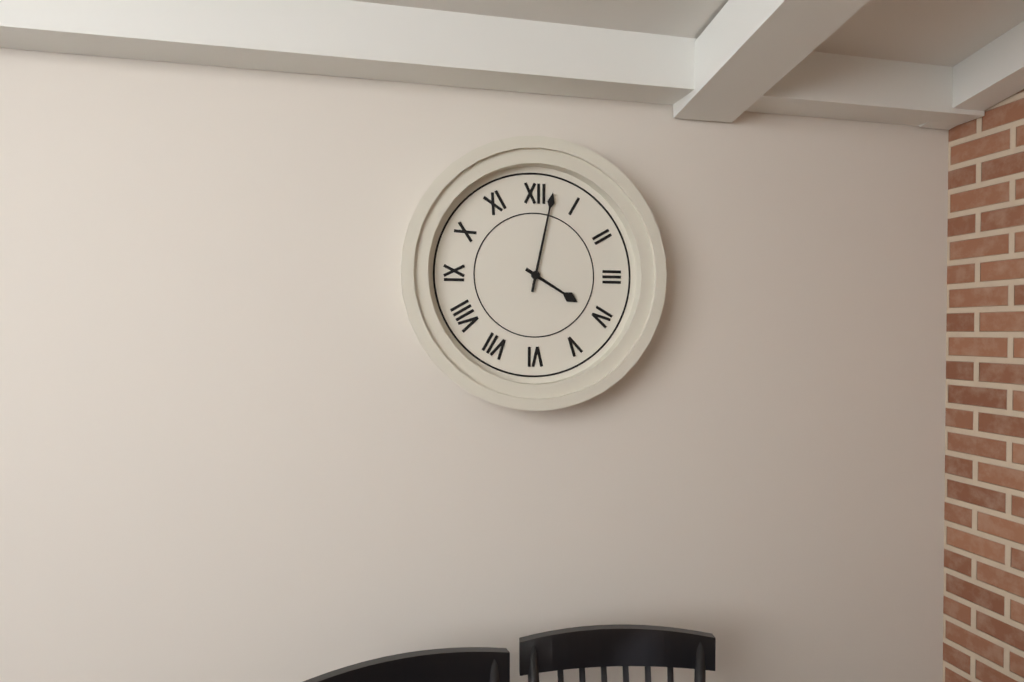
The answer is 4:02
